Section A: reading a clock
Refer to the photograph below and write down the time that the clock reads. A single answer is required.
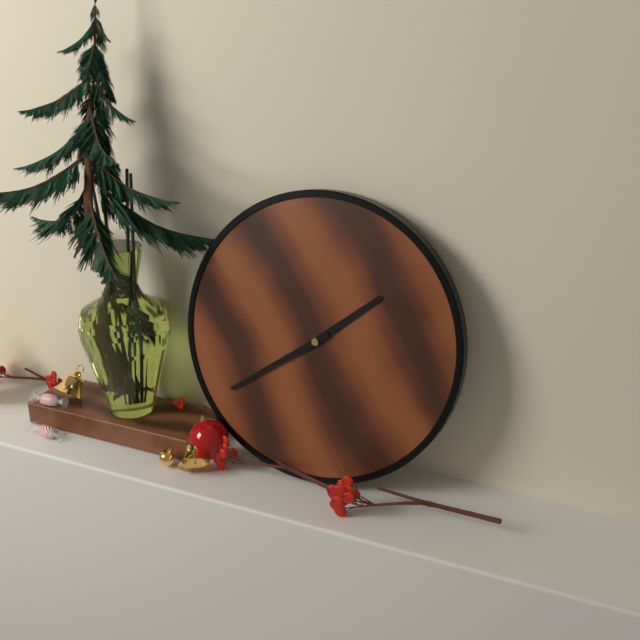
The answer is 1:39
